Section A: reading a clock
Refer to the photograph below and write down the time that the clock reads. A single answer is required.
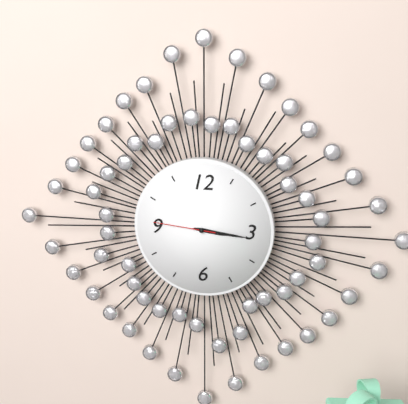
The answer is 3:16:46
